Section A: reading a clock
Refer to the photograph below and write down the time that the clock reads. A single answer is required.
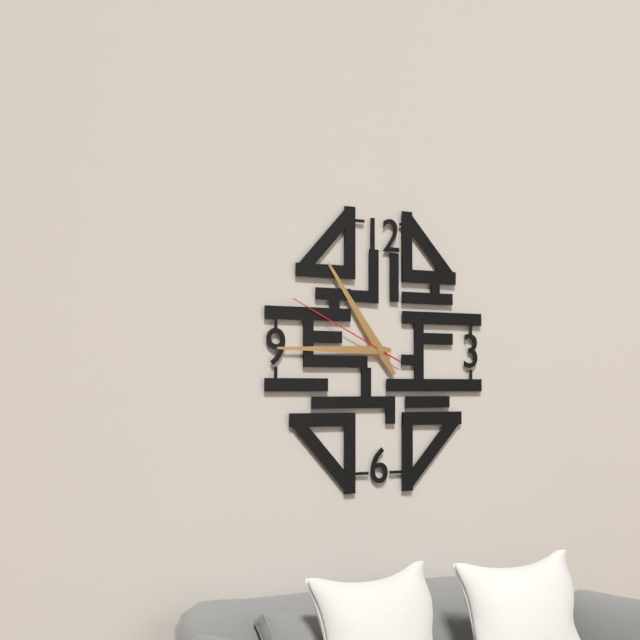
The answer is 10:45:49
